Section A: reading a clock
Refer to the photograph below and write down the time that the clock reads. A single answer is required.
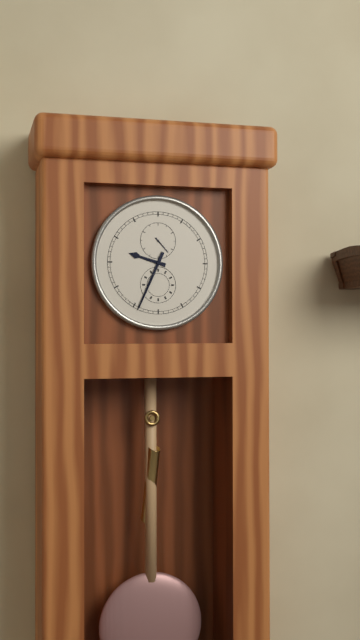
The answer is 9:34
